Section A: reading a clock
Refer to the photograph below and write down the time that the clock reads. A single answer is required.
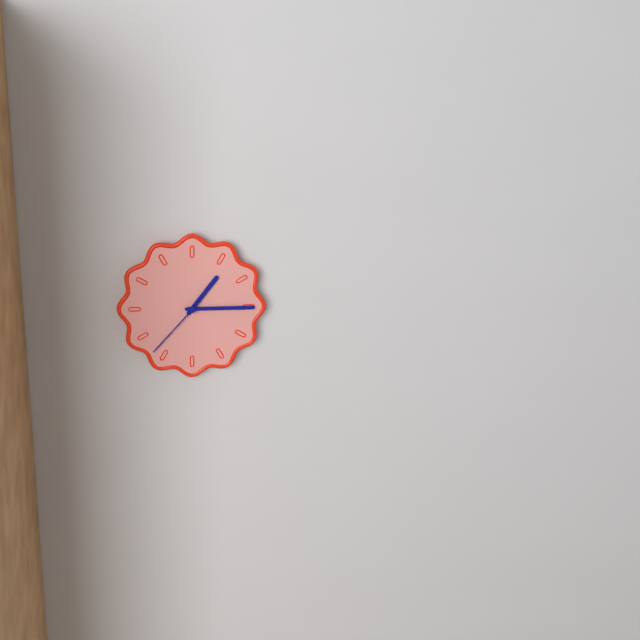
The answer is 1:15:37
